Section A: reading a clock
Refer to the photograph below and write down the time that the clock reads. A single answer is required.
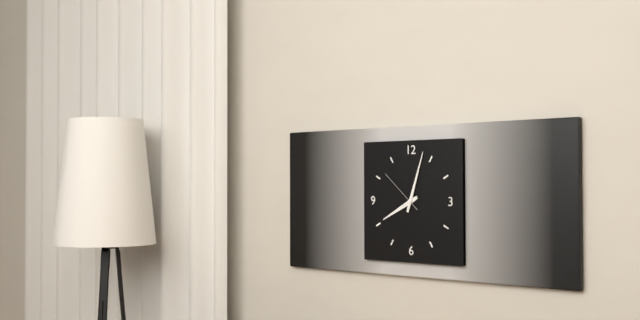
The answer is 8:03
